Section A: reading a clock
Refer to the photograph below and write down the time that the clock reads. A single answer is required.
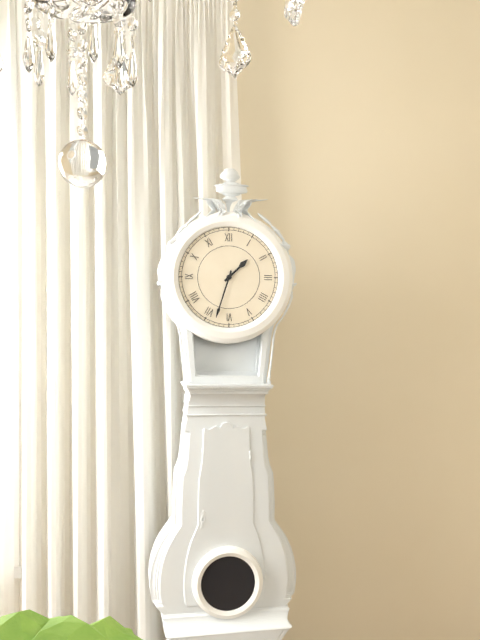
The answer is 1:33
